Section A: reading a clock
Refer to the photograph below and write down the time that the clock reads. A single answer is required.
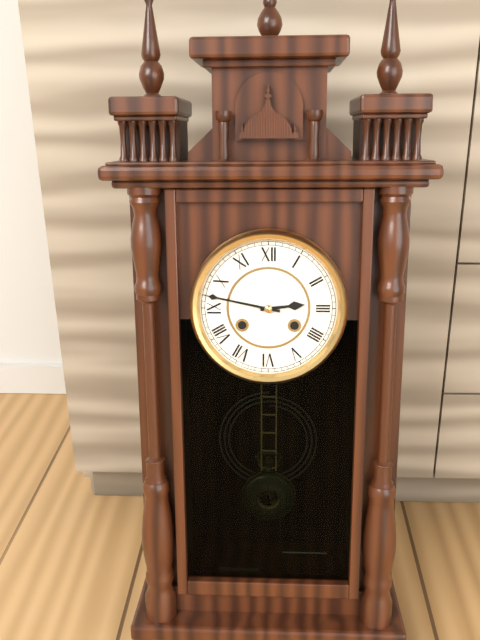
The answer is 2:47
